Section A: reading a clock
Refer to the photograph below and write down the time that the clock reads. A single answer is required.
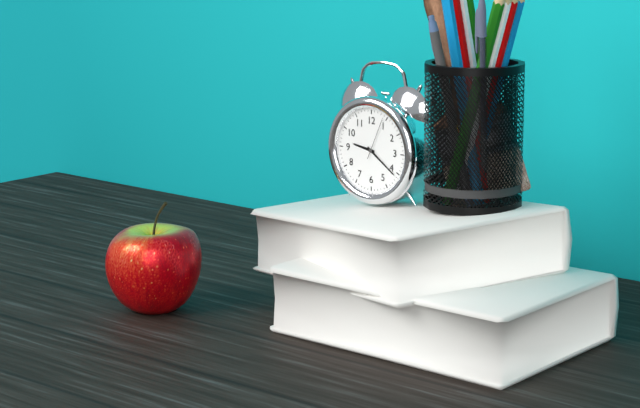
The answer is 9:21
